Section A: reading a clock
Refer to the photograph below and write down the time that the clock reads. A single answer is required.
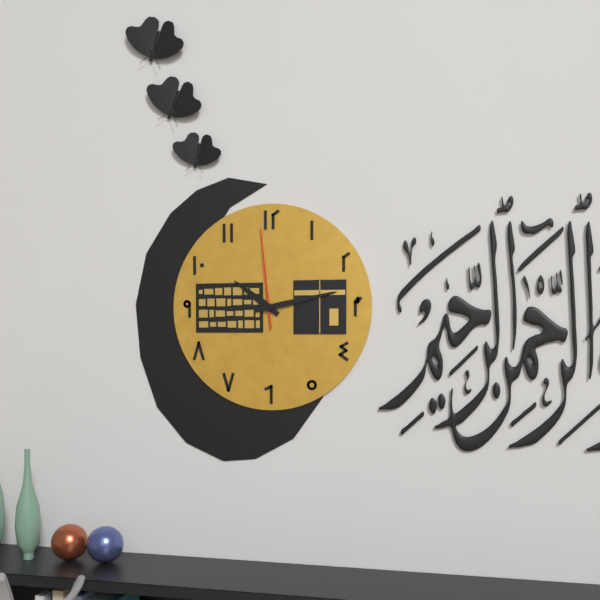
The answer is 10:13:59
